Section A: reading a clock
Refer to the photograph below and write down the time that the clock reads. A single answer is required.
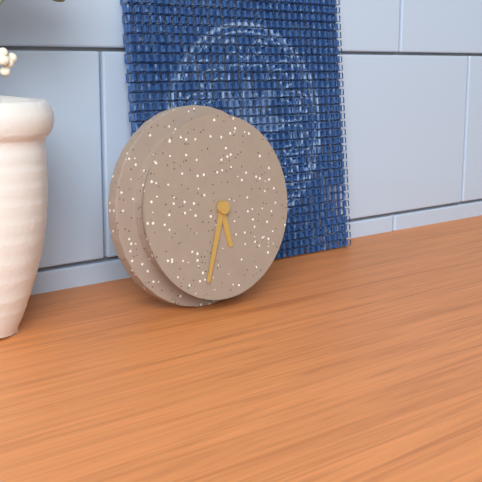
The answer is 5:33
